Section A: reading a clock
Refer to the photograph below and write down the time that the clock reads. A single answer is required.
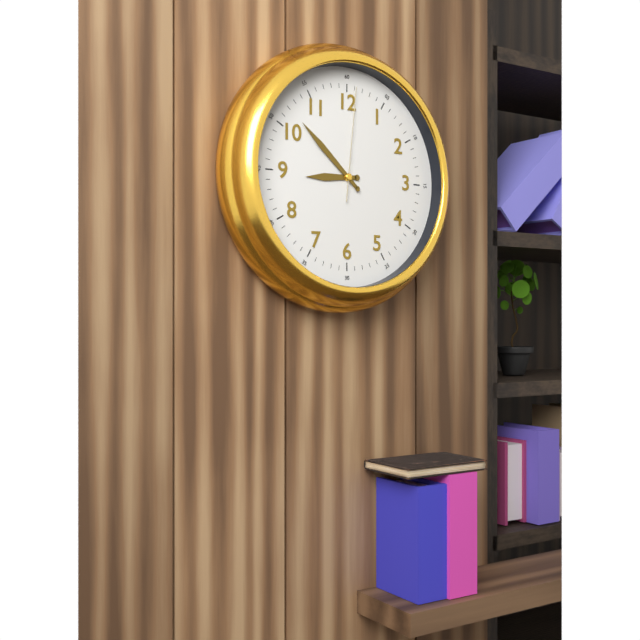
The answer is 8:52:01
